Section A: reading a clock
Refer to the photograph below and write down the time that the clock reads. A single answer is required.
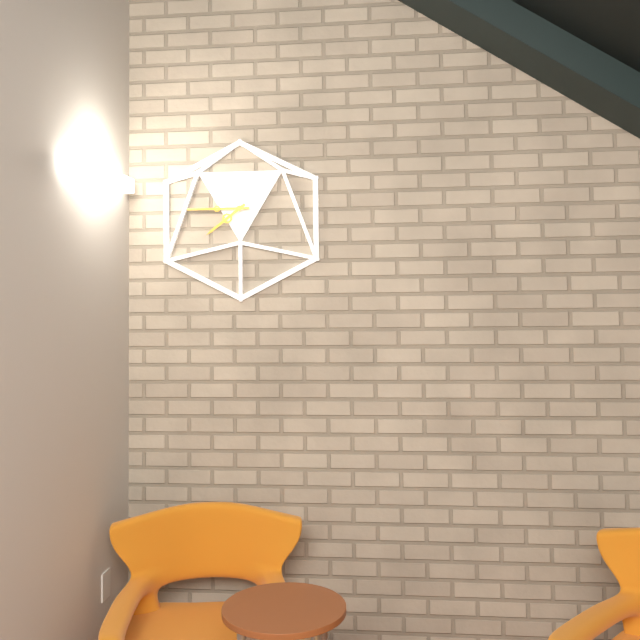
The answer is 7:45
